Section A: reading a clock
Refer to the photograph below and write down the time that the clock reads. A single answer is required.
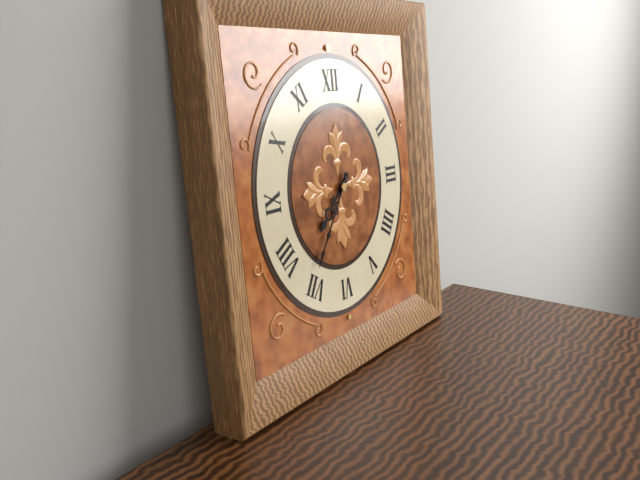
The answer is 7:36
